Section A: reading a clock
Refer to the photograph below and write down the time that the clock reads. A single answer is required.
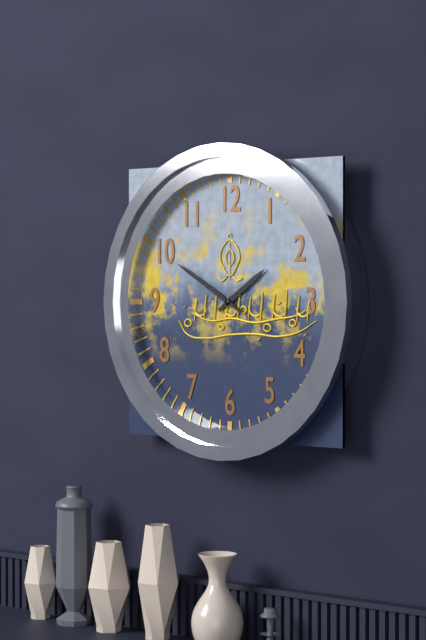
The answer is 1:50
